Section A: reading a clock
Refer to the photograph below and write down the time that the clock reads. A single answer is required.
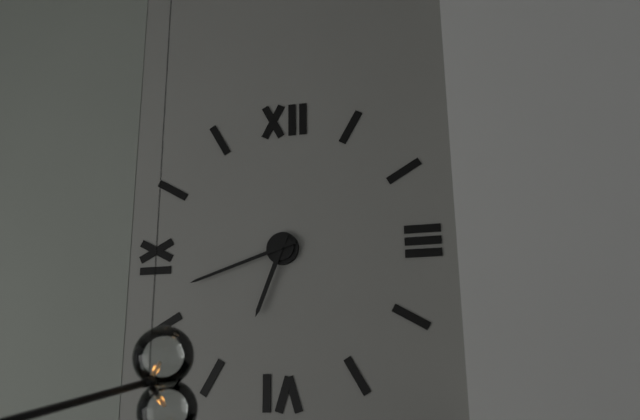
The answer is 6:42
